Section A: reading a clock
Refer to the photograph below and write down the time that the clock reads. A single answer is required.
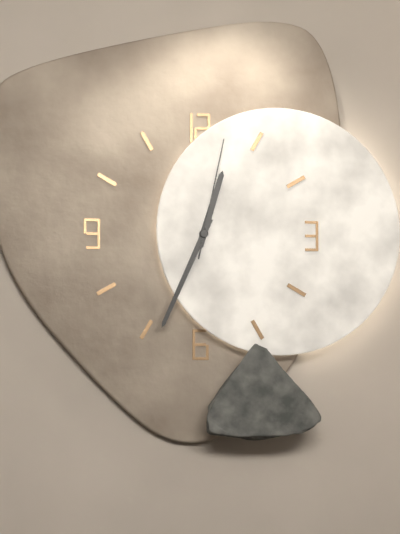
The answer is 12:34:02
